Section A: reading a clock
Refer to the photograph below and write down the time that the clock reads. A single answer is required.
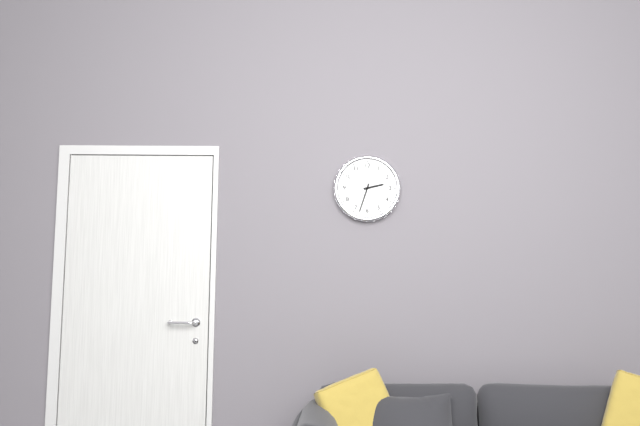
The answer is 2:33
